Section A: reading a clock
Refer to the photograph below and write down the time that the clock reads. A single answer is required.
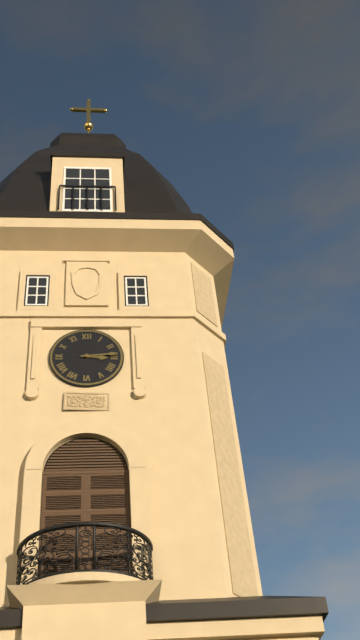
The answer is 3:14
